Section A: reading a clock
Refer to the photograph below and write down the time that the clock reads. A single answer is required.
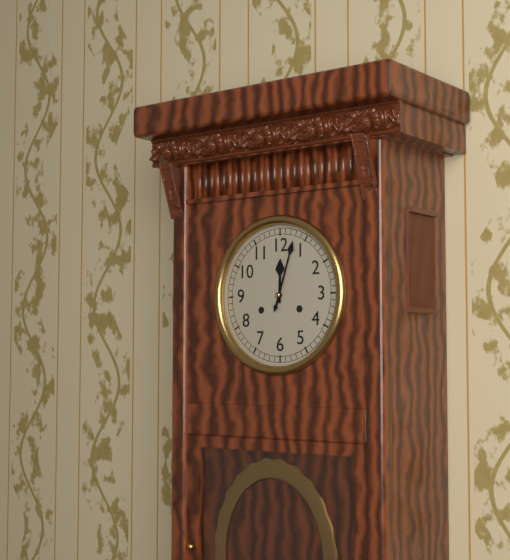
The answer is 12:03
